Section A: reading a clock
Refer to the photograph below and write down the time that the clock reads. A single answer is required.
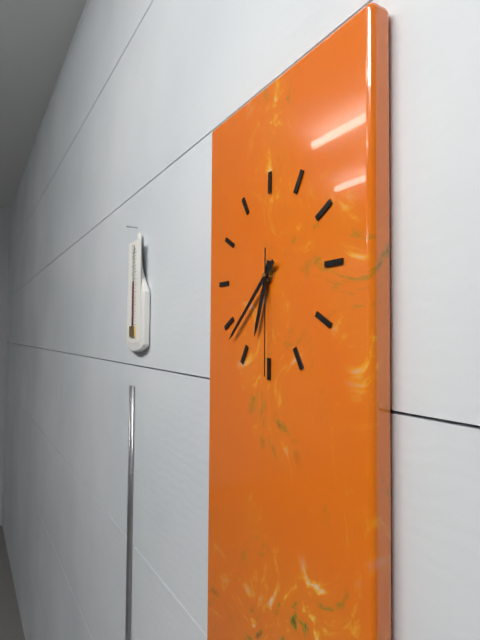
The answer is 6:38:30
